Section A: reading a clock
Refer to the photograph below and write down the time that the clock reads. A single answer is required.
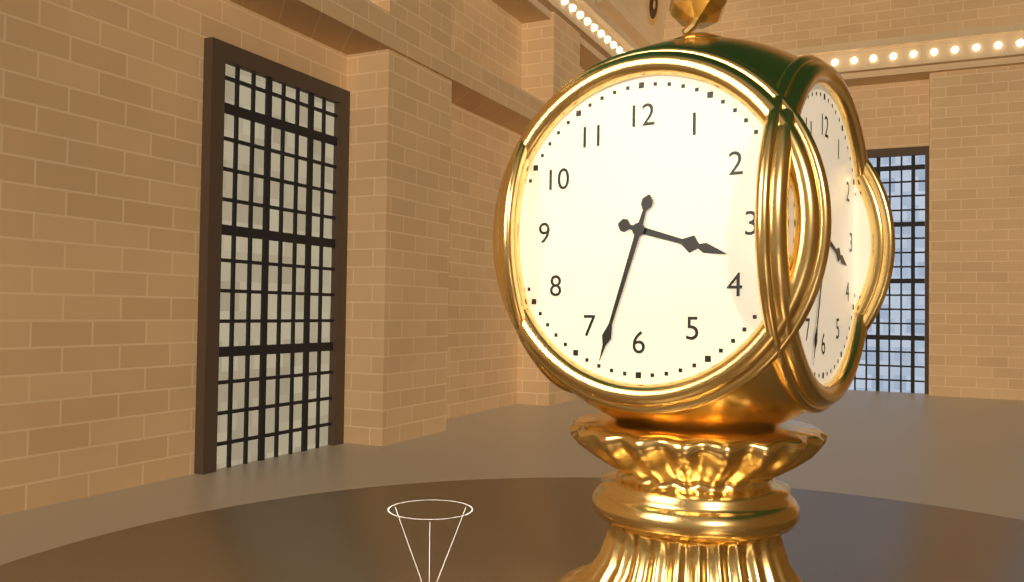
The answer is 3:33
